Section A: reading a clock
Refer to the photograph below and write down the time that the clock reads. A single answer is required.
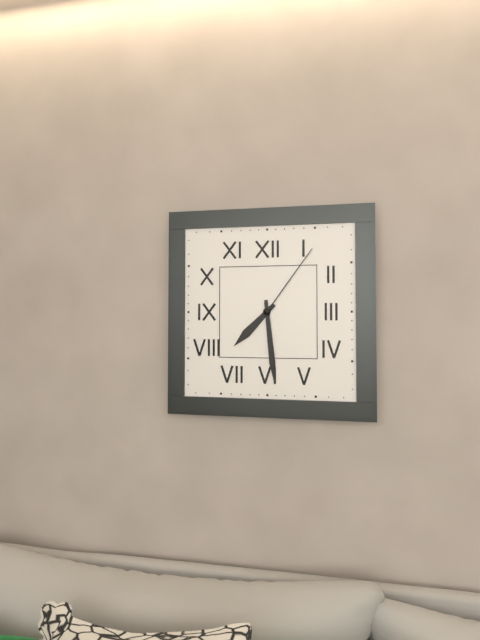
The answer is 7:29:06
